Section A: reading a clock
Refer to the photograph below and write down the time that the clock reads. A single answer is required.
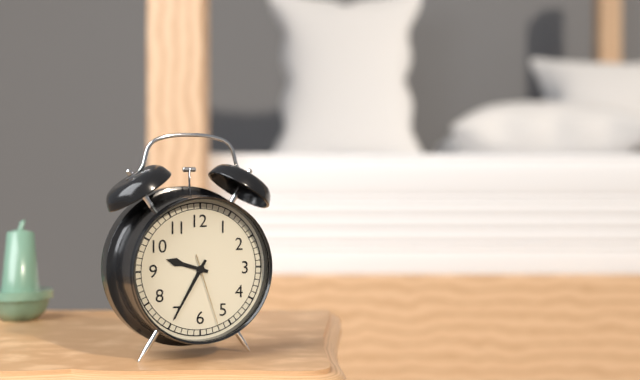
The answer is 9:35:27
